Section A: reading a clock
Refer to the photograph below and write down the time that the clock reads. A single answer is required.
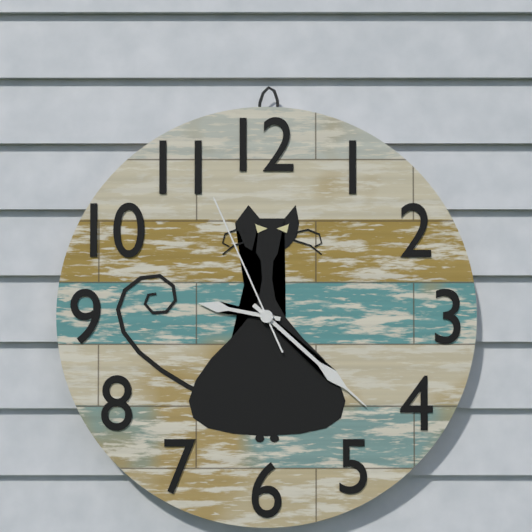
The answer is 9:22:56
